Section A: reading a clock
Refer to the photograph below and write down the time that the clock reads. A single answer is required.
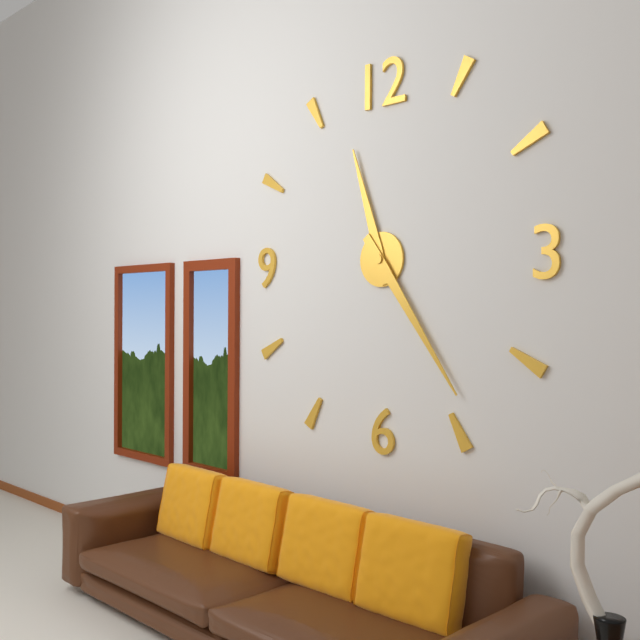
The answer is 11:24
